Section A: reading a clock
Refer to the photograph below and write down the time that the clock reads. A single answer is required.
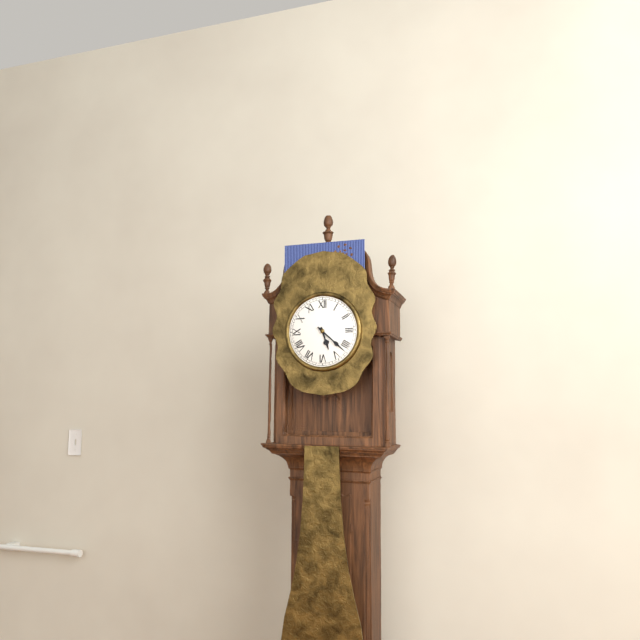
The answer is 5:22
